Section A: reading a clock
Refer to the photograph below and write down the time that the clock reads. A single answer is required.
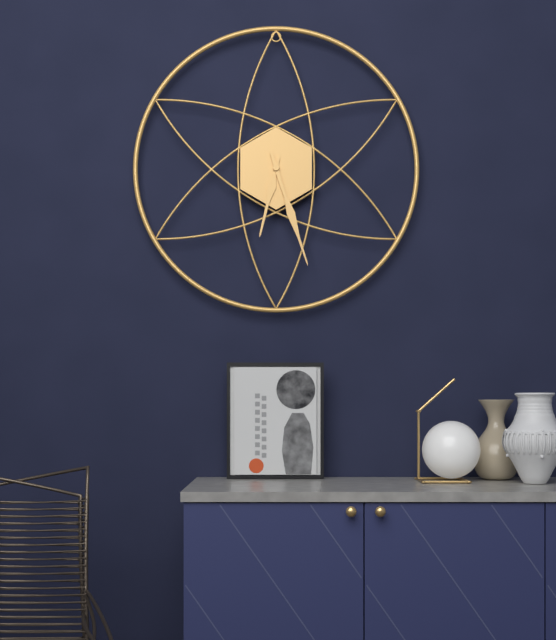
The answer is 6:27
